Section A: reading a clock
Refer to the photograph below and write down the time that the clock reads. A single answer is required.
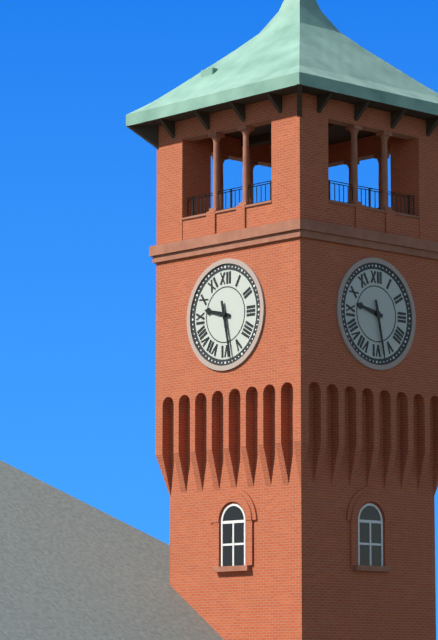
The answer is 9:28
